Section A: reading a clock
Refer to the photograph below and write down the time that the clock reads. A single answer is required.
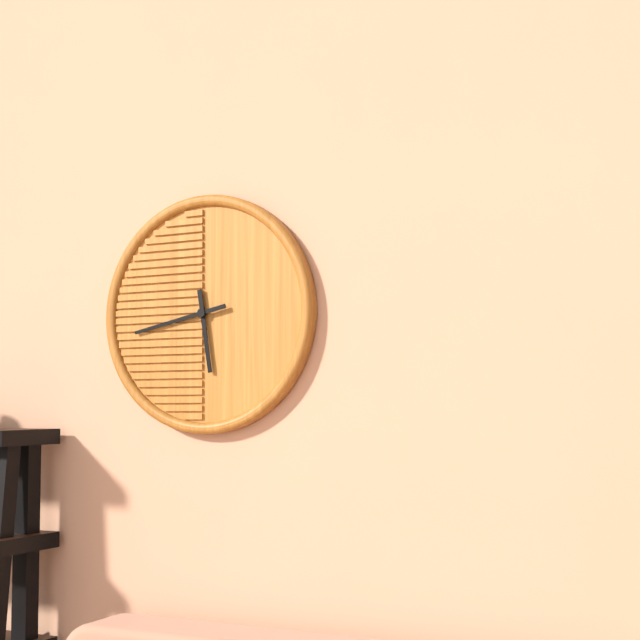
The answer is 5:43
